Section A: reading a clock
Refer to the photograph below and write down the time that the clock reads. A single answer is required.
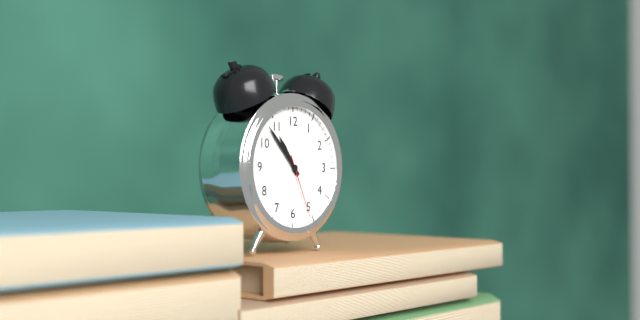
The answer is 10:53:26
